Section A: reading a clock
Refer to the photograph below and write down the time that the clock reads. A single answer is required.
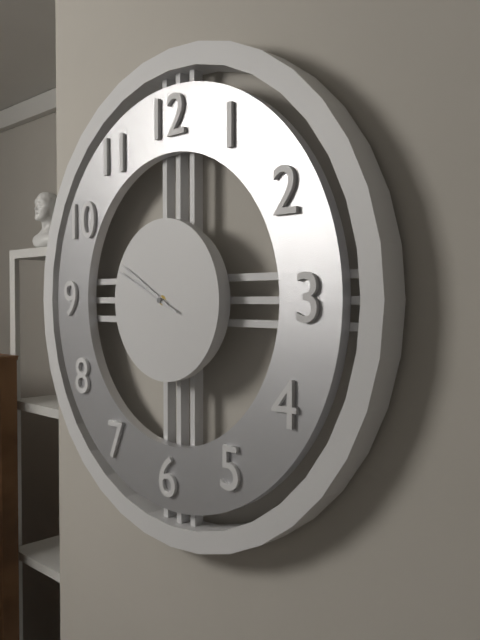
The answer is 9:50:49
